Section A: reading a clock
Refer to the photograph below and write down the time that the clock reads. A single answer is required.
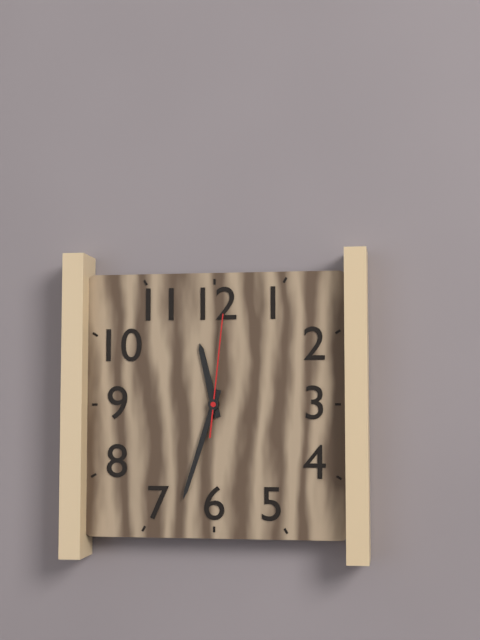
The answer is 11:33:01
